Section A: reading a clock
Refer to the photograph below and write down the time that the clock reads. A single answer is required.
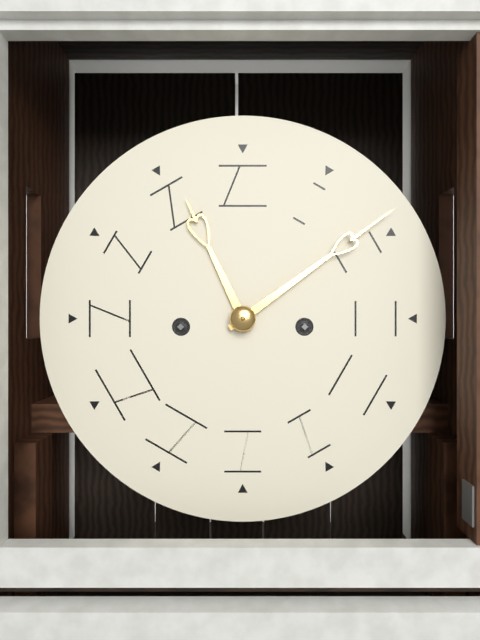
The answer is 11:09
